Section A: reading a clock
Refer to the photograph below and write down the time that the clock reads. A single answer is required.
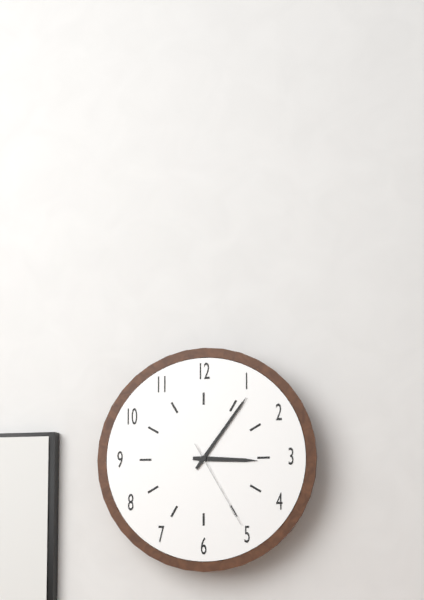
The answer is 3:06:25
